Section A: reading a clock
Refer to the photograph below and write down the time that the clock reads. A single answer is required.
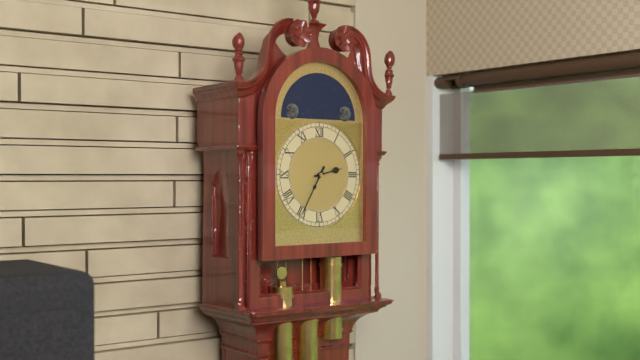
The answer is 2:35
